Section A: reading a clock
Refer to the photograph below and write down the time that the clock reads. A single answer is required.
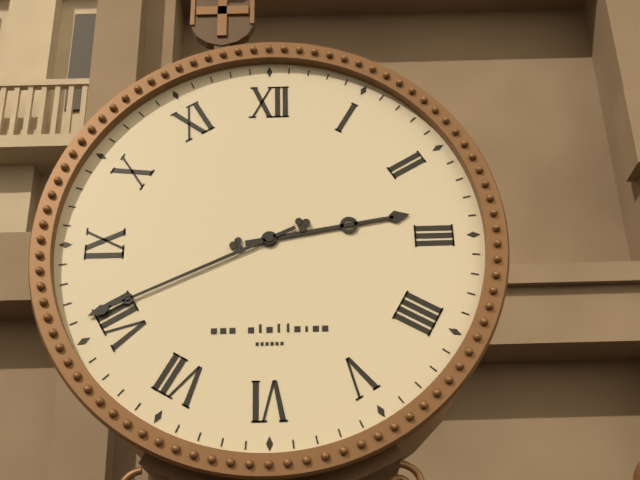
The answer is 2:41
